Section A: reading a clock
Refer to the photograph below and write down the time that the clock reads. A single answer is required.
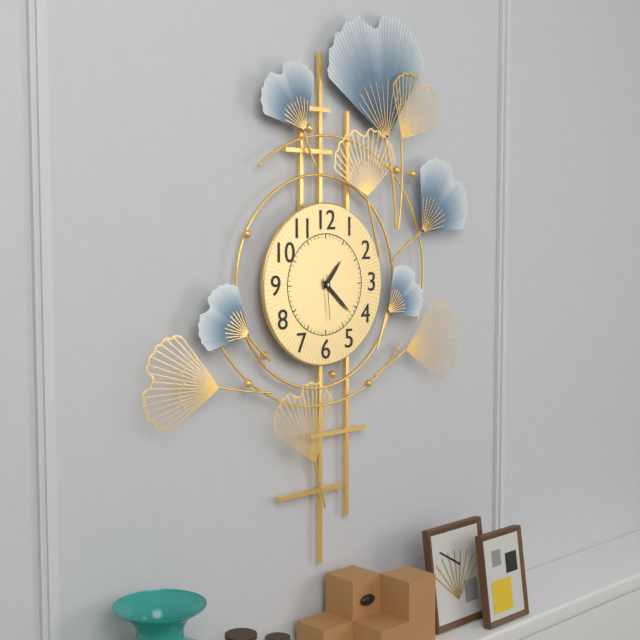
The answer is 1:22
